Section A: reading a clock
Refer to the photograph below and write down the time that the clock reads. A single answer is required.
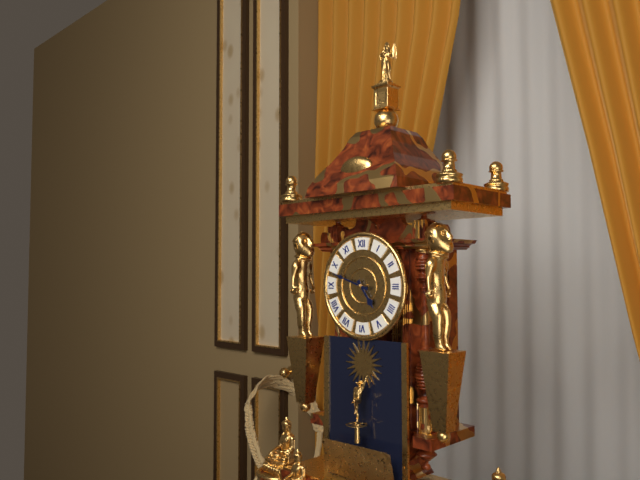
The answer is 4:48
